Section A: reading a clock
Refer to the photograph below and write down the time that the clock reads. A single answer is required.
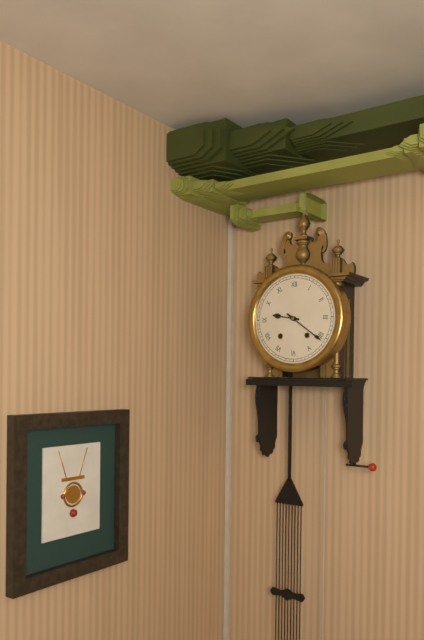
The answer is 9:21
